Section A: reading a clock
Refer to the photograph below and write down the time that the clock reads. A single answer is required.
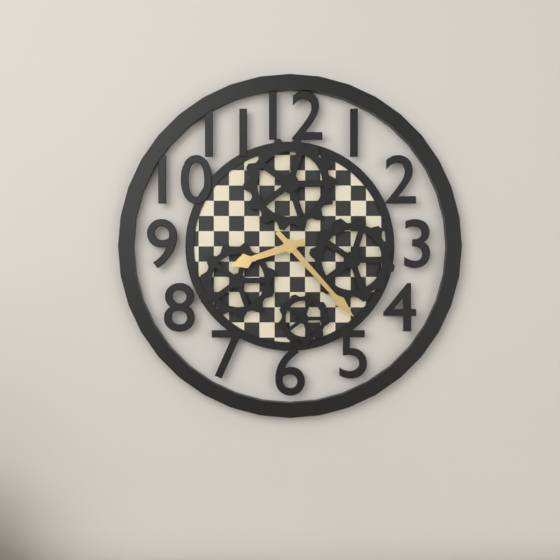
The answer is 8:23
